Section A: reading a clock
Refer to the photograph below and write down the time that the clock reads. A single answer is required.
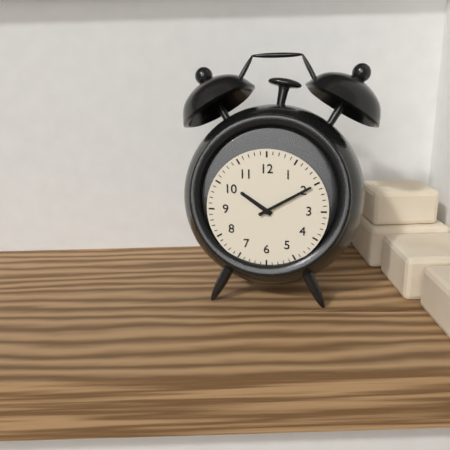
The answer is 10:10
